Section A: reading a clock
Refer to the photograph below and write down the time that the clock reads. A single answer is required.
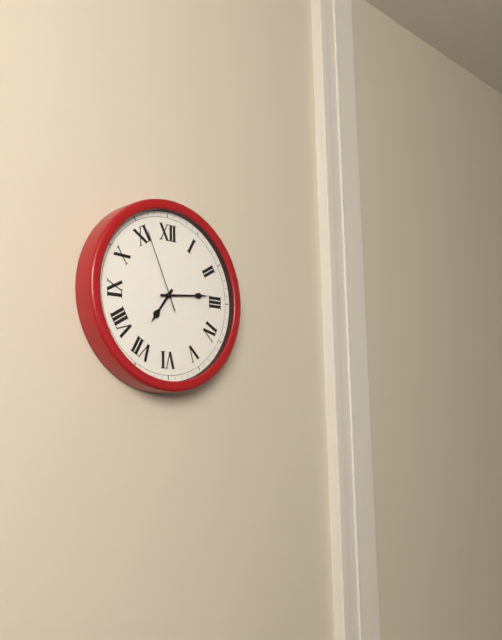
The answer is 7:14:56
